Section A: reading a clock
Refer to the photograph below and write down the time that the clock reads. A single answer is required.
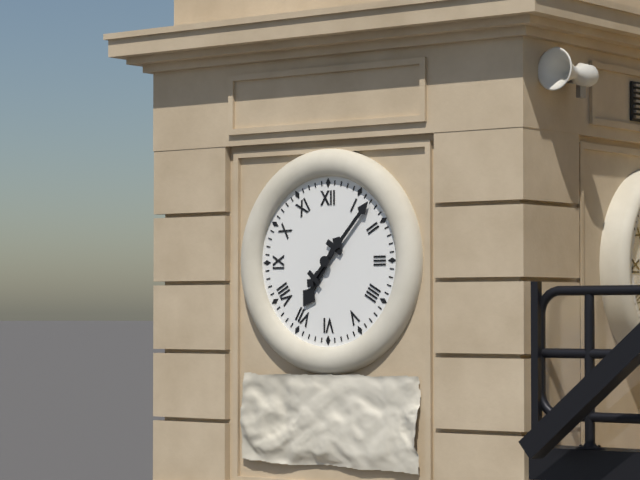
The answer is 7:07
